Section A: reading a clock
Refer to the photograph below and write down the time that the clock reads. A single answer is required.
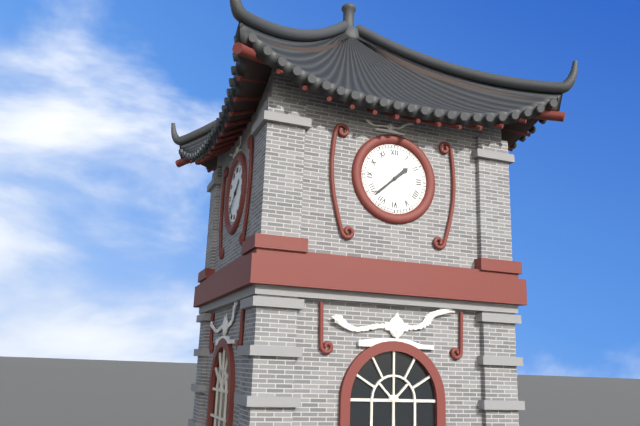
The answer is 1:38
